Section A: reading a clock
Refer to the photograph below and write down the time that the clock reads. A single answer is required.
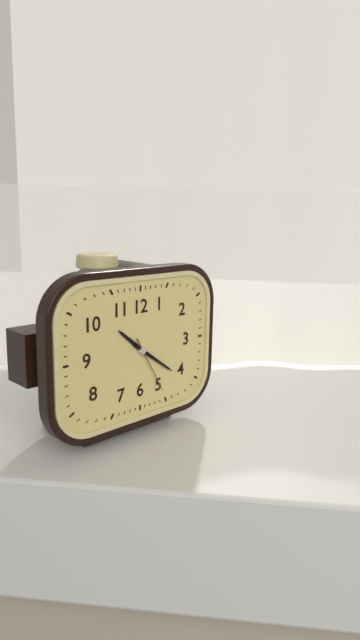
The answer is 10:21:25
